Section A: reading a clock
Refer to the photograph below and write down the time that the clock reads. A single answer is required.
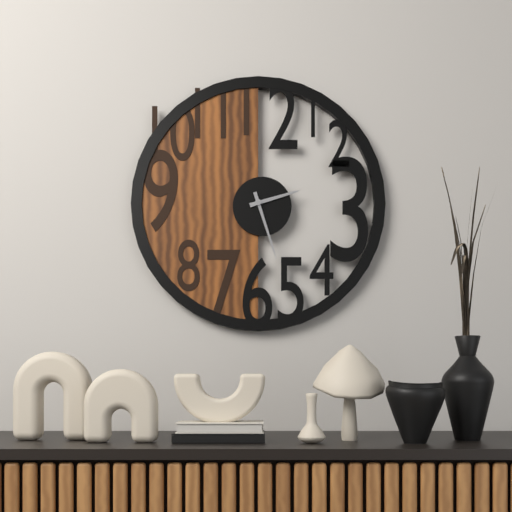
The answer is 2:27
